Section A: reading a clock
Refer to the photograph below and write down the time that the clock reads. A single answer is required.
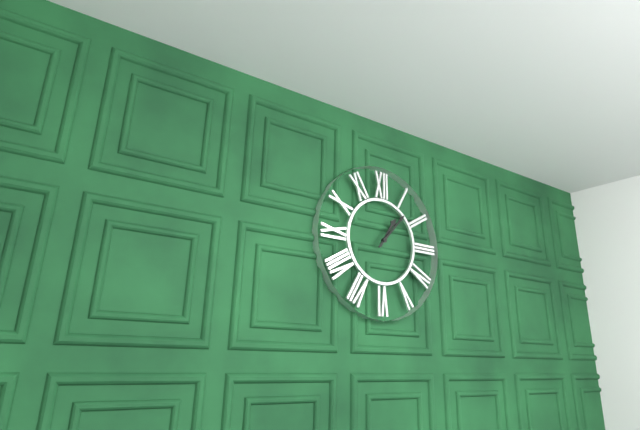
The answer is 1:07
